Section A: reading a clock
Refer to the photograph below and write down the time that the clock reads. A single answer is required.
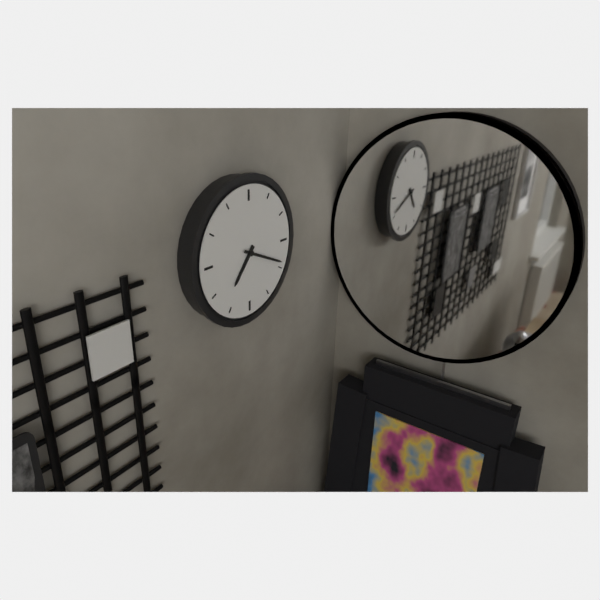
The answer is 7:19
